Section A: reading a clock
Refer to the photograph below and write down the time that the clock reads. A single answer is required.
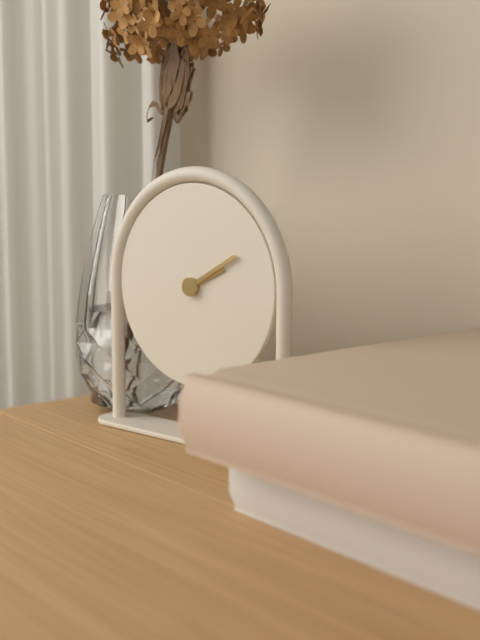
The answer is 2:10
